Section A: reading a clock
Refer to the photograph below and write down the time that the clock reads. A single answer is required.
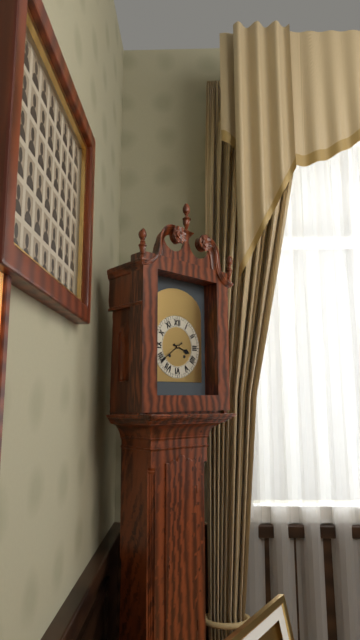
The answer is 3:39
